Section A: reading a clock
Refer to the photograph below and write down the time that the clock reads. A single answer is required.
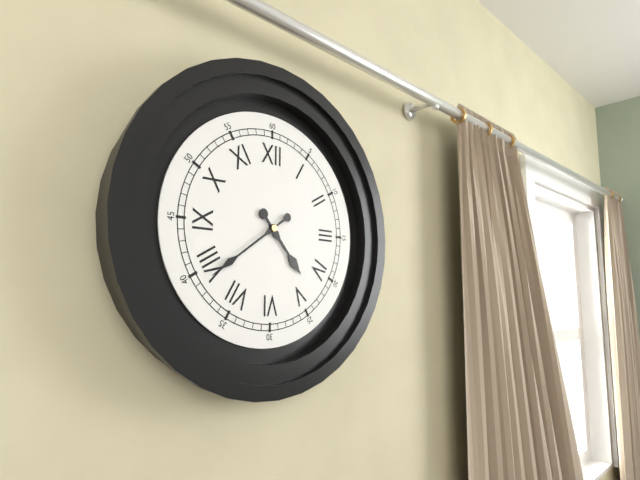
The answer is 4:39
